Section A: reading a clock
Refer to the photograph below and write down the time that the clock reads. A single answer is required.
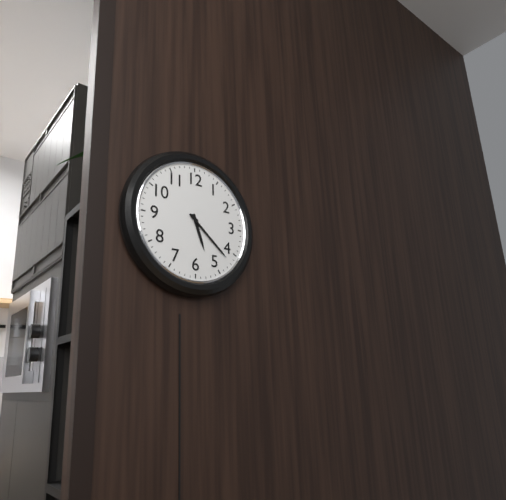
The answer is 5:22
